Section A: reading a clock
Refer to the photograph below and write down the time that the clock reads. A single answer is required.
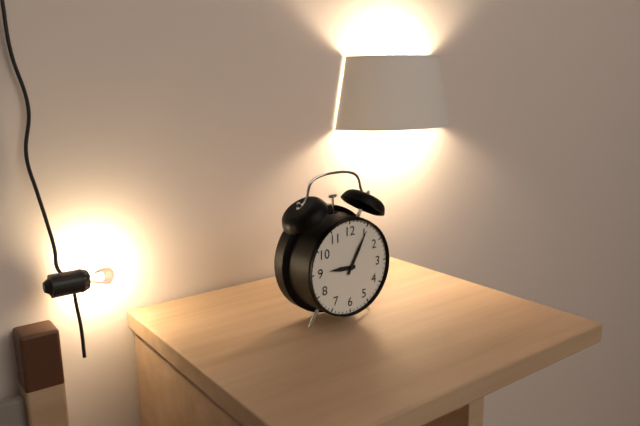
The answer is 9:05
